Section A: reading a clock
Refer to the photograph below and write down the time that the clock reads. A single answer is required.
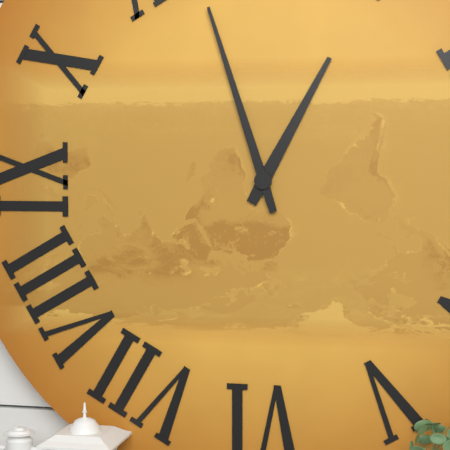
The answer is 12:57
